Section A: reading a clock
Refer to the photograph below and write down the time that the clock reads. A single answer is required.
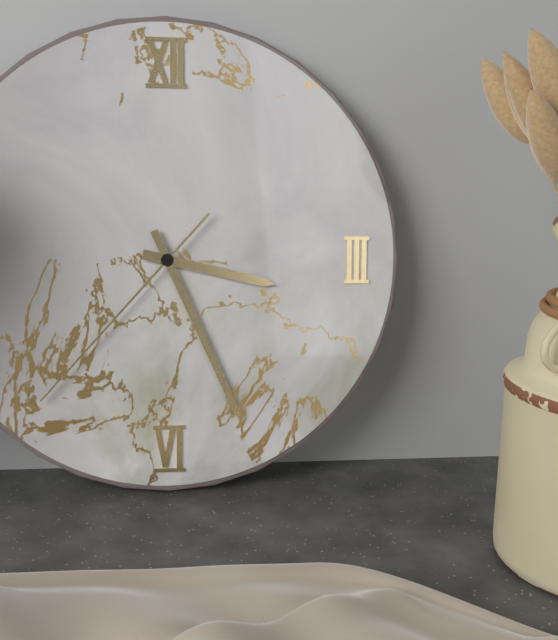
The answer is 3:26:37
